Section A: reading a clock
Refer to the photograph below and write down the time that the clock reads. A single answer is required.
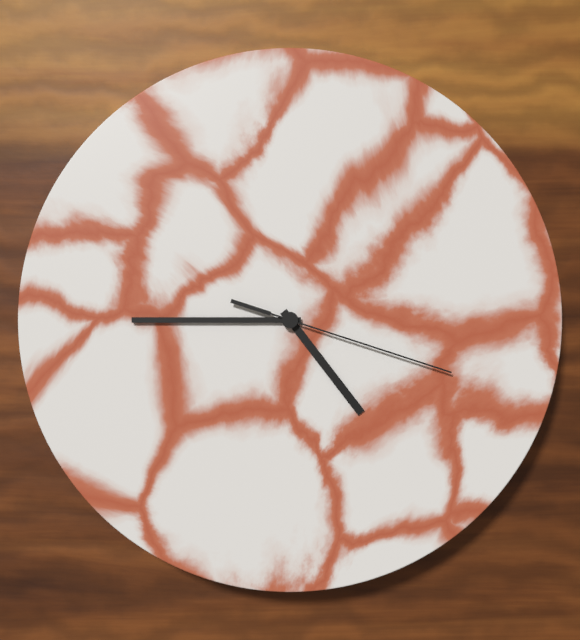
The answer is 4:45:18
